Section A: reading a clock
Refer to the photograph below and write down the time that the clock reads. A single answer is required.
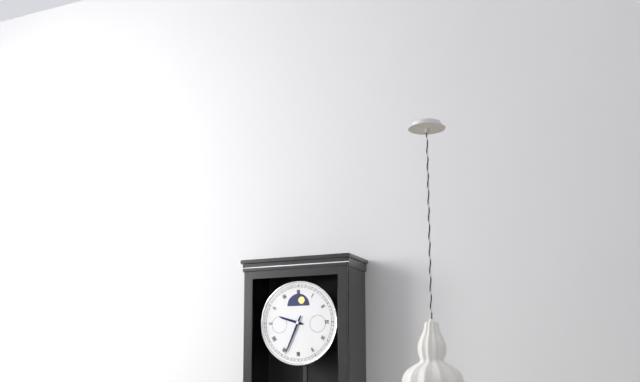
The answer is 9:34
